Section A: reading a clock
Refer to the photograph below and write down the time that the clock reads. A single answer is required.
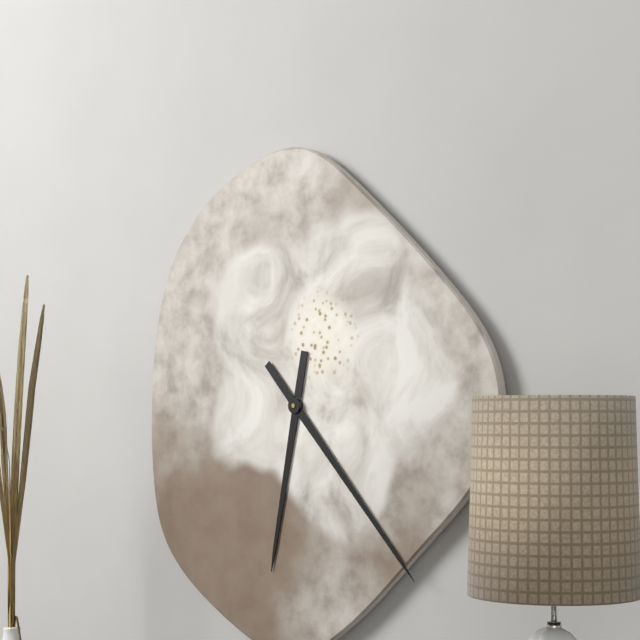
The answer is 6:23
